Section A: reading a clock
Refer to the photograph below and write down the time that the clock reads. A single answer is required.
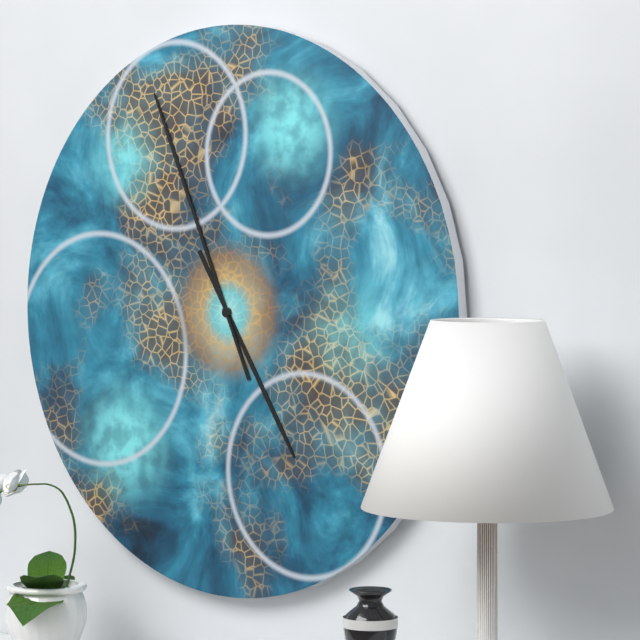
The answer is 4:56
